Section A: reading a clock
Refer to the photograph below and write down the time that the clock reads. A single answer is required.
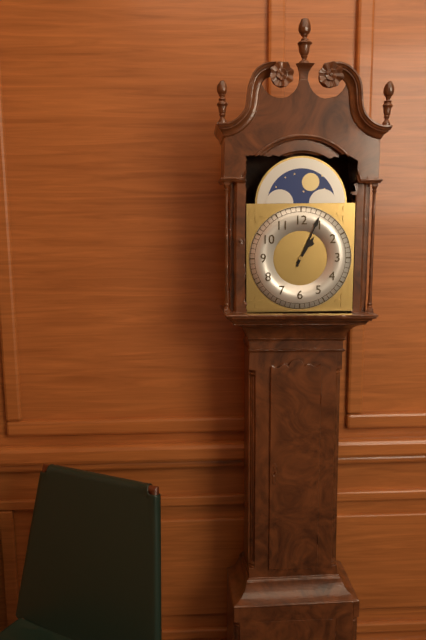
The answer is 1:04
